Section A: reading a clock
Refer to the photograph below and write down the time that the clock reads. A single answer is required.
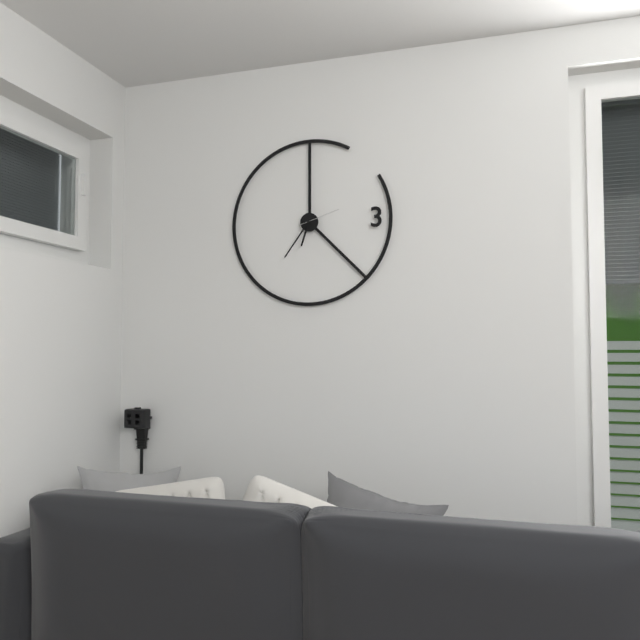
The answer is 6:36
